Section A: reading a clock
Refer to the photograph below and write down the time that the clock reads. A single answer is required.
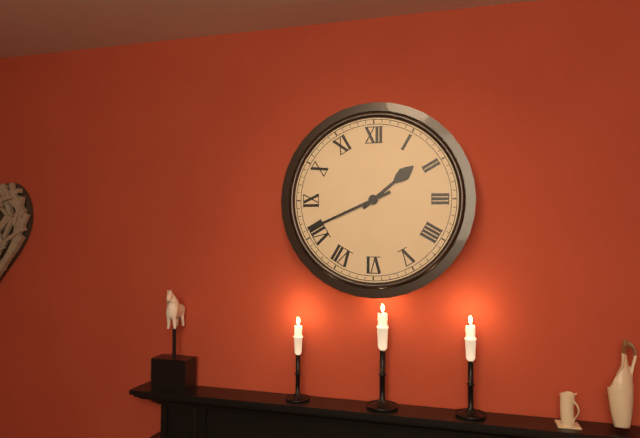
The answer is 1:41
